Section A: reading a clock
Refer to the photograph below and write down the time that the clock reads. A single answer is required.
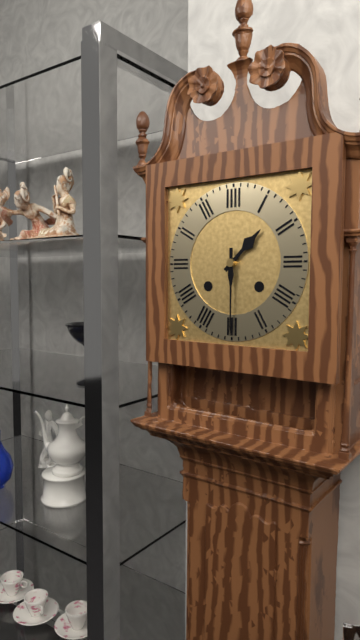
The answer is 1:30
